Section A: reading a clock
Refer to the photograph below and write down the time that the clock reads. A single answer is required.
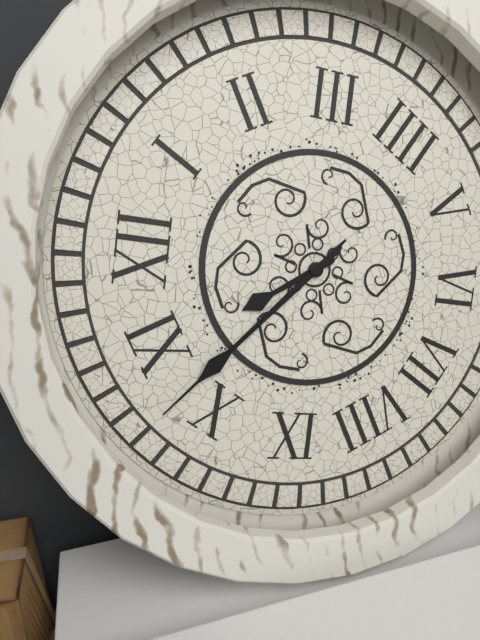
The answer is 10:52
